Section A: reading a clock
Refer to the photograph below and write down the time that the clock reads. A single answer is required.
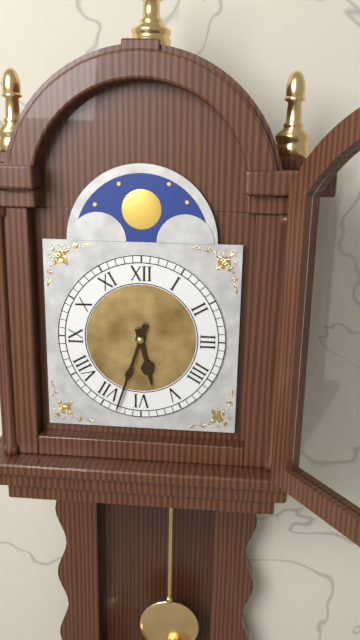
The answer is 5:33
